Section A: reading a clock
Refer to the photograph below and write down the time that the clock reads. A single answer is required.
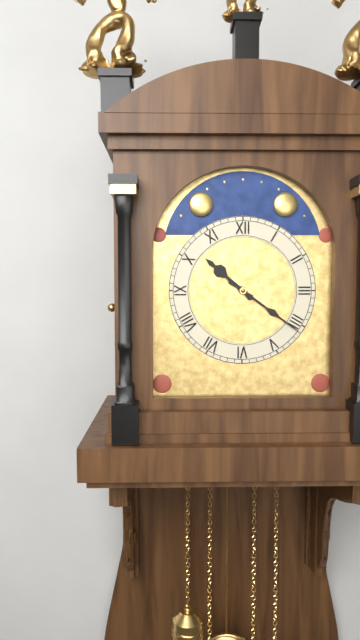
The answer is 10:21
